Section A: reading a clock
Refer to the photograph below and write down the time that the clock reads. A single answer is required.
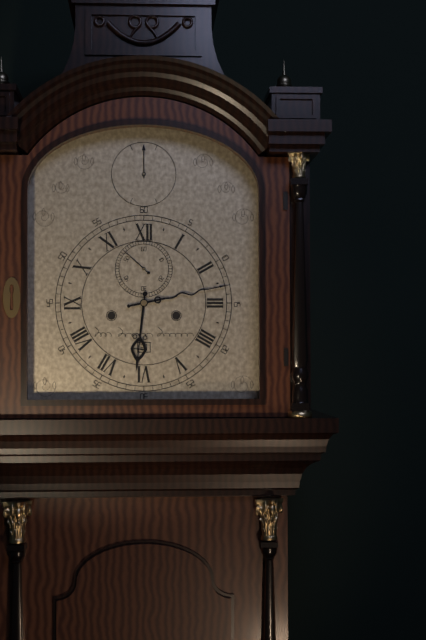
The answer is 6:13
